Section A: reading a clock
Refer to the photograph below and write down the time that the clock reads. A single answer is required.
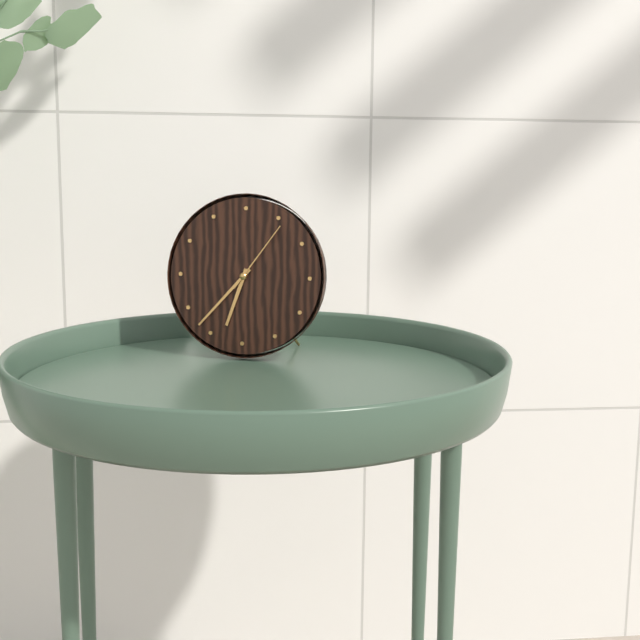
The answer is 6:37:06
